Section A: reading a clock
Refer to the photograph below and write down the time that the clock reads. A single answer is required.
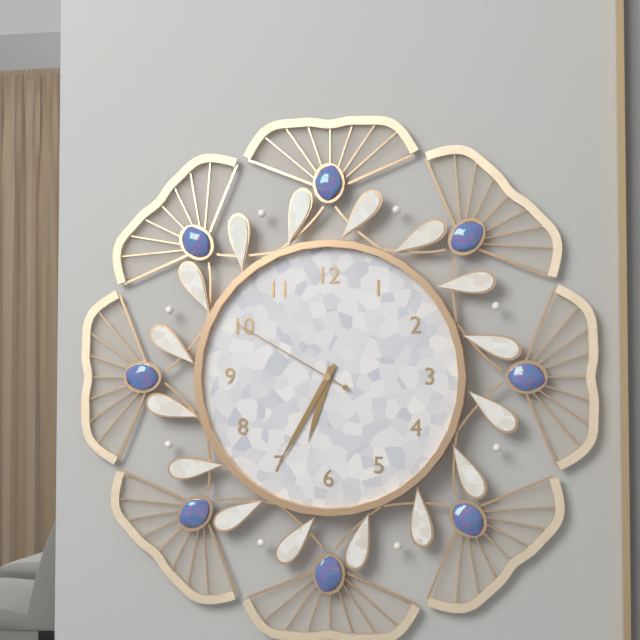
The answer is 6:35:50
